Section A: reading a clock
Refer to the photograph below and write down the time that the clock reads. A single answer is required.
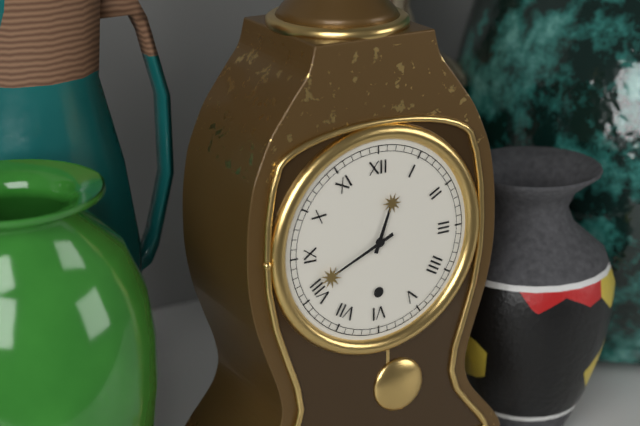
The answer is 12:41
